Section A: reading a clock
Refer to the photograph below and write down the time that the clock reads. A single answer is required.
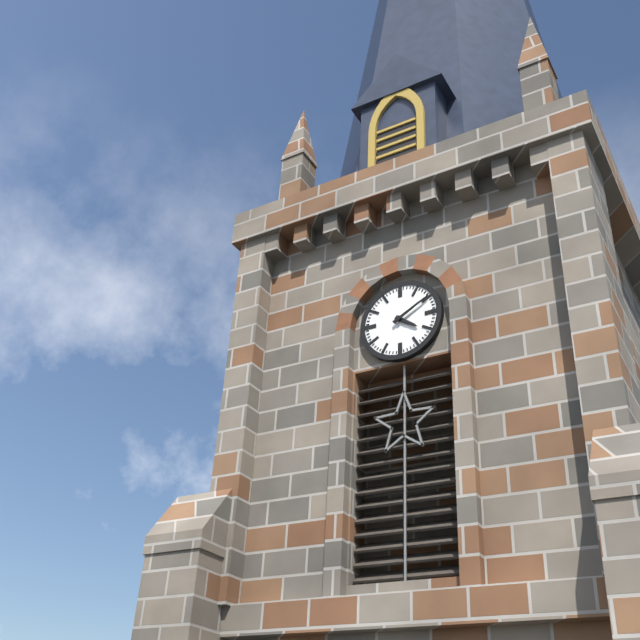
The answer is 4:10
